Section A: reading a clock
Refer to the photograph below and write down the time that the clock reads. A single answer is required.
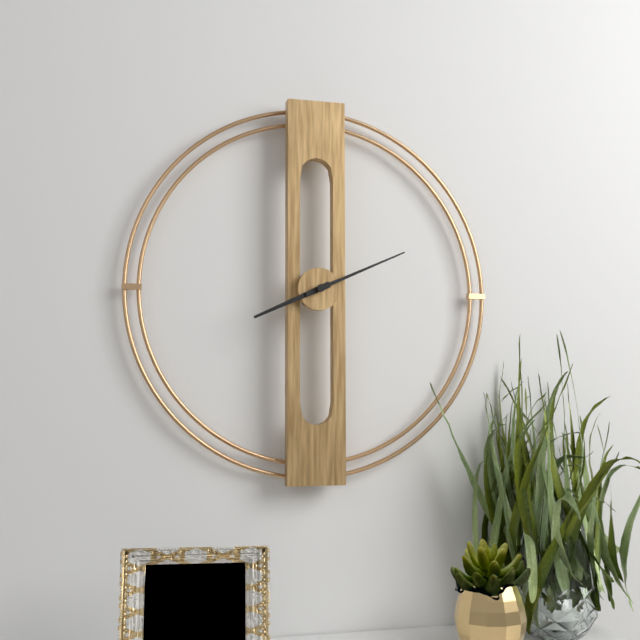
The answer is 8:11
